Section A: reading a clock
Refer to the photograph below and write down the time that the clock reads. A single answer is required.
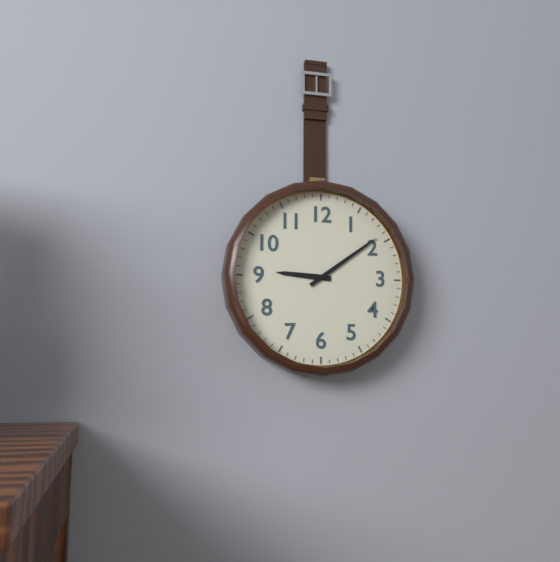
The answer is 9:09
